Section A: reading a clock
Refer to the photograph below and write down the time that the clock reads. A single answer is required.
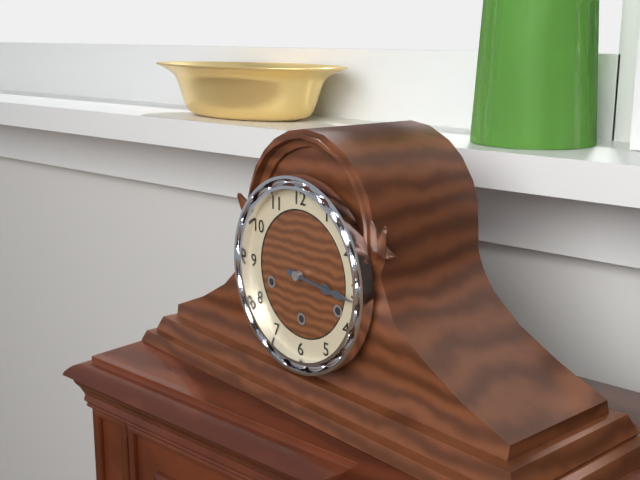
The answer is 3:16
